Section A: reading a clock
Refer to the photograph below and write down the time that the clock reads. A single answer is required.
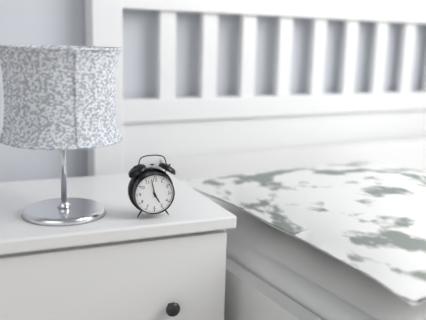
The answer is 4:58
